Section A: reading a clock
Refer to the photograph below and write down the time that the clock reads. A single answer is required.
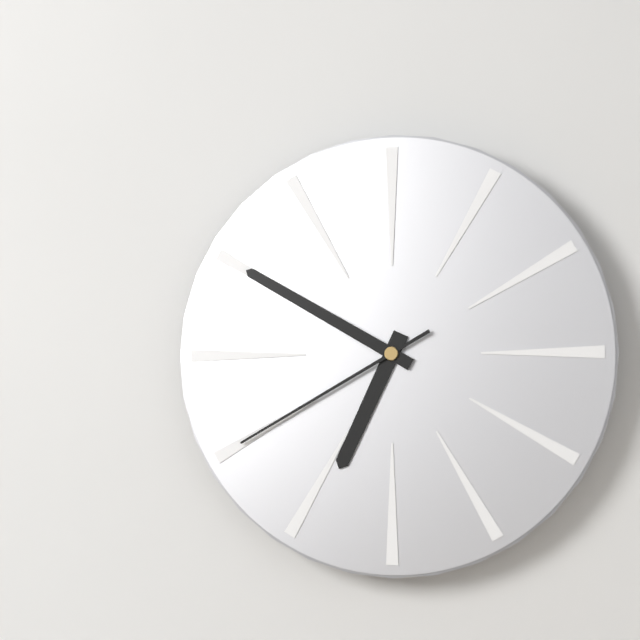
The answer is 6:50:40
